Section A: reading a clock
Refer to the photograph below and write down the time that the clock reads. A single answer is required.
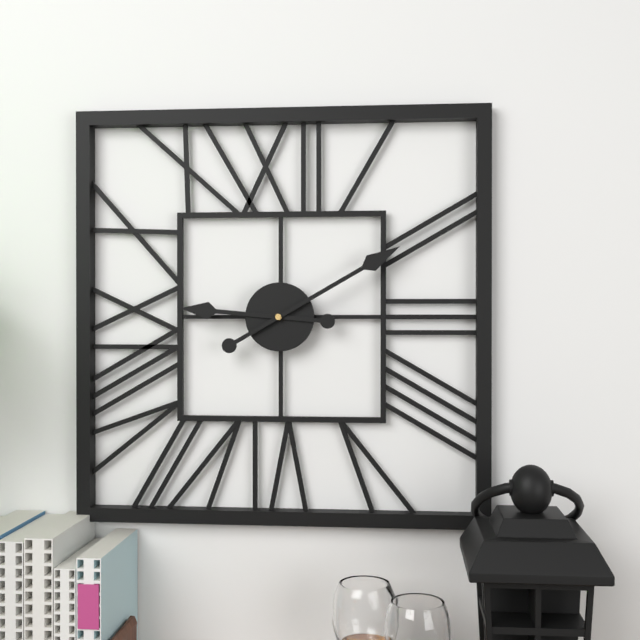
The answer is 9:10
